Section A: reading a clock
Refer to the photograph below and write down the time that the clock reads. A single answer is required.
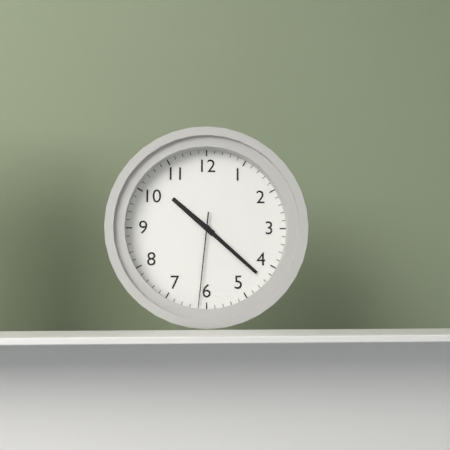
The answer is 10:22:31
